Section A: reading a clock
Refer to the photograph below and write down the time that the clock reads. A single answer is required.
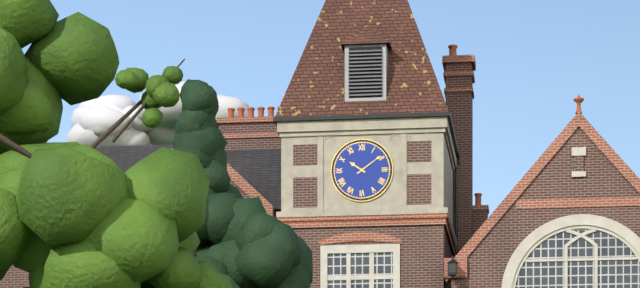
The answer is 10:09
